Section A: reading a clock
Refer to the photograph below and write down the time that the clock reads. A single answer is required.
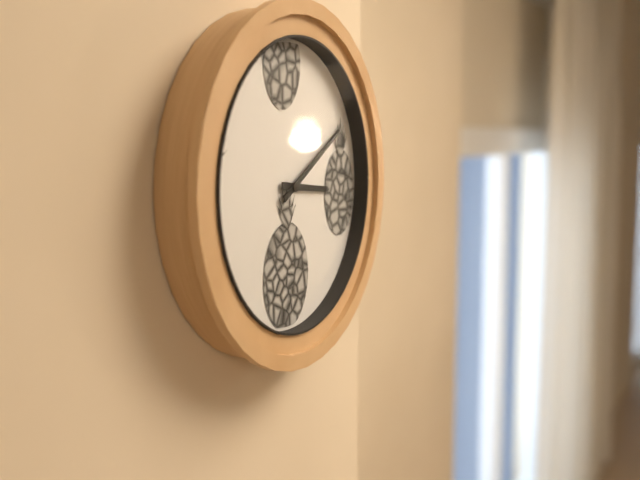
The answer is 3:10
